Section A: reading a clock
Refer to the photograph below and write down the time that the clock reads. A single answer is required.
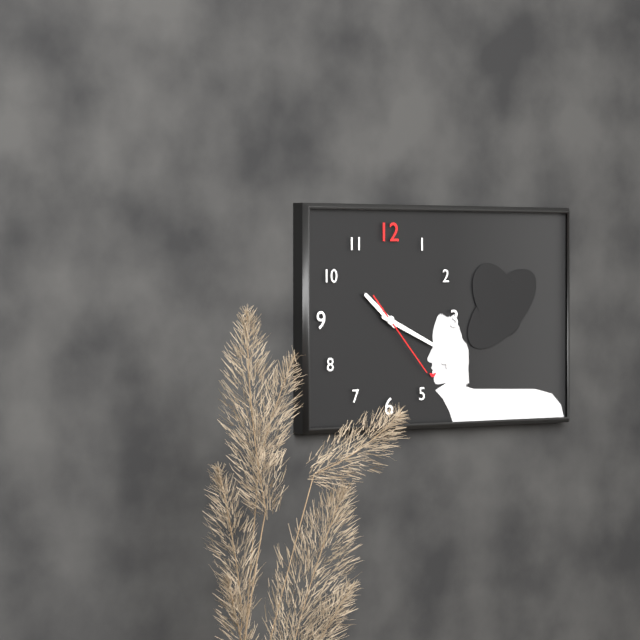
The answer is 10:19:23
